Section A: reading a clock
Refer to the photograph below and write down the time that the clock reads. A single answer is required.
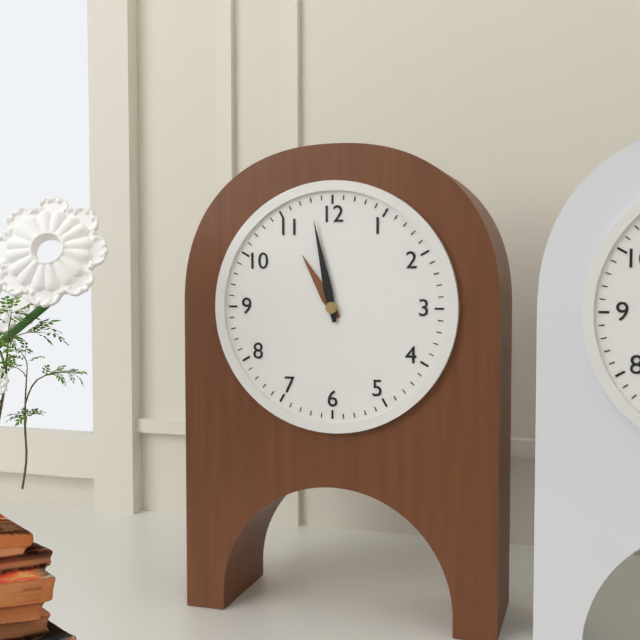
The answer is 10:58
